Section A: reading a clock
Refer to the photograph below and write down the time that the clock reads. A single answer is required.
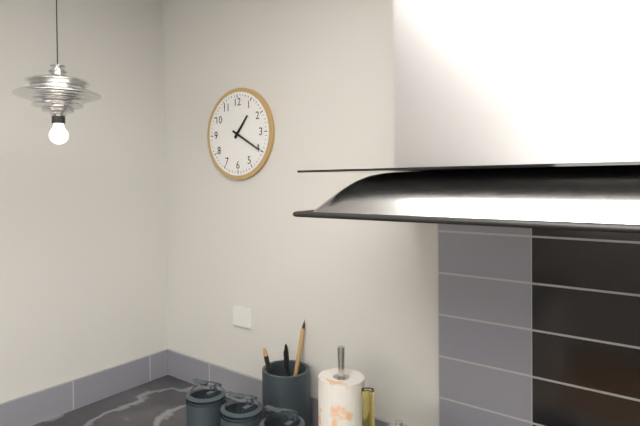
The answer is 1:20
